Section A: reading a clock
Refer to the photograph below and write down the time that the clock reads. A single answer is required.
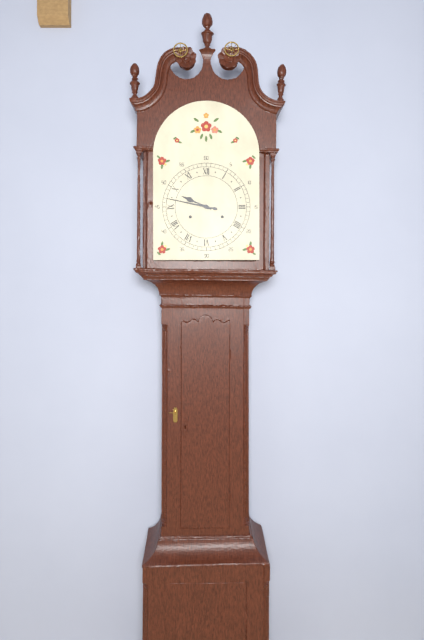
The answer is 9:47
